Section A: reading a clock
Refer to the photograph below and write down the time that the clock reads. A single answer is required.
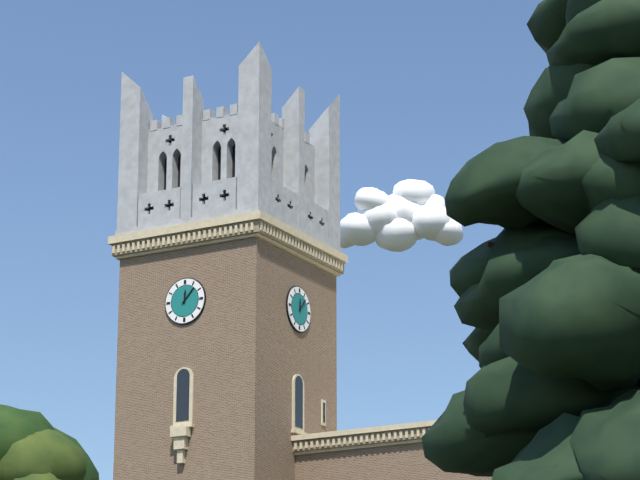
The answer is 12:07
